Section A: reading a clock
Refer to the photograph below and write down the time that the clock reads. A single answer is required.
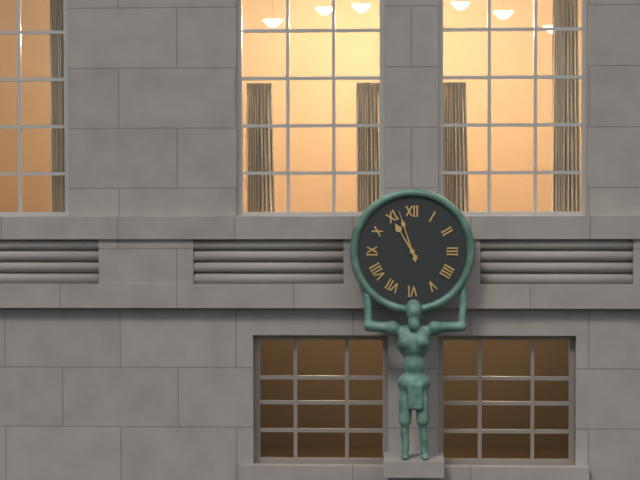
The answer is 10:57
